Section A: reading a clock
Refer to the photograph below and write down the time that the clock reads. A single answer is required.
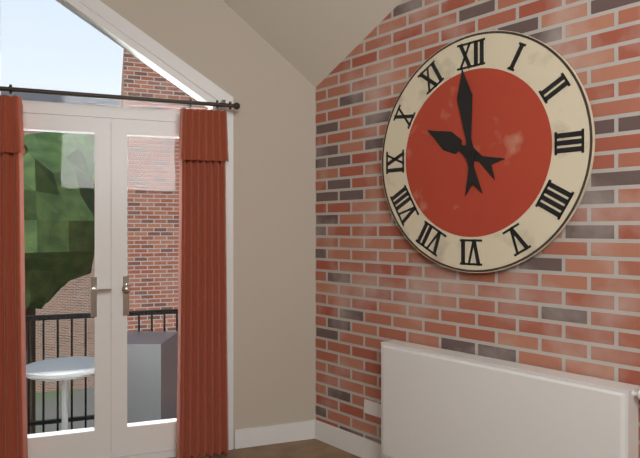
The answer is 9:59
